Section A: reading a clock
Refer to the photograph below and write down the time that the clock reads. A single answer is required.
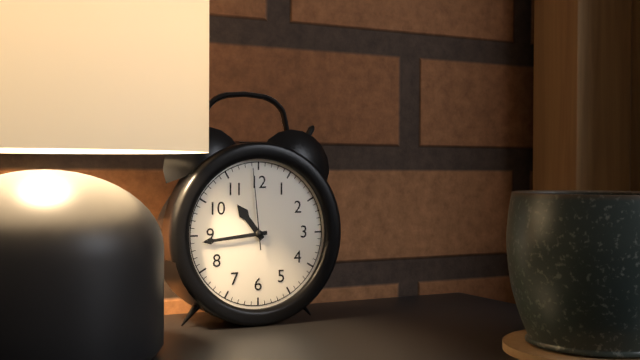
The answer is 10:44:59
